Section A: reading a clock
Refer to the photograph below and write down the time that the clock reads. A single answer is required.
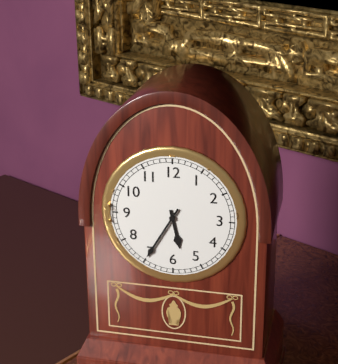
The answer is 5:35
